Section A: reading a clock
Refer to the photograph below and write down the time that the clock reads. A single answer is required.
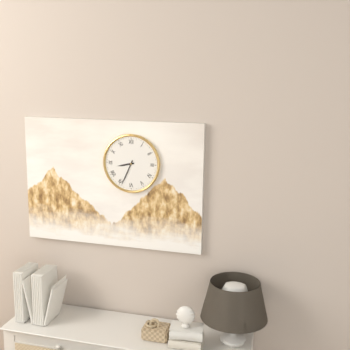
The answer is 8:34
